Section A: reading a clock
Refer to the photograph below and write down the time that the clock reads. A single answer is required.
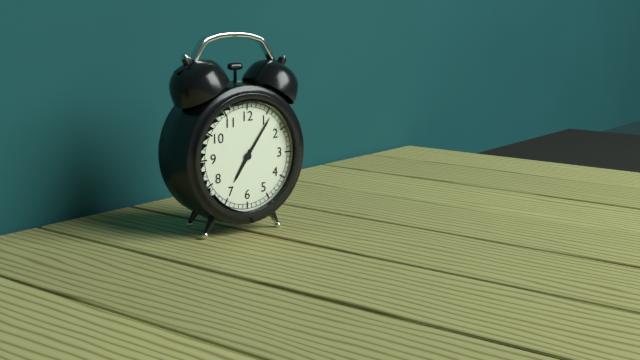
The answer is 7:06
